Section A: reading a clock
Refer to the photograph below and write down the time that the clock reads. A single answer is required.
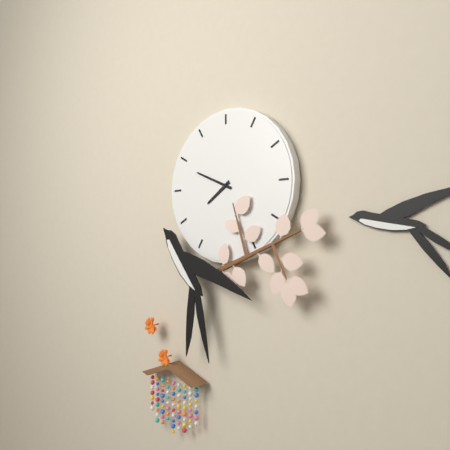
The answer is 7:49
